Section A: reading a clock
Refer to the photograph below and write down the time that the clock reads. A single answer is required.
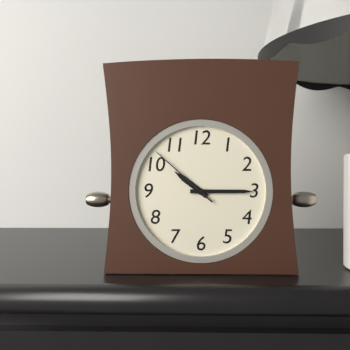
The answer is 10:15:52
